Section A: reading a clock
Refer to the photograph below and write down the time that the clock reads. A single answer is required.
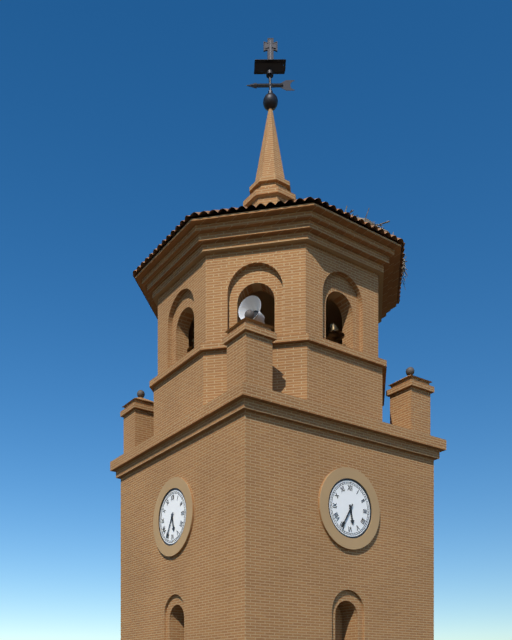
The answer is 5:35
